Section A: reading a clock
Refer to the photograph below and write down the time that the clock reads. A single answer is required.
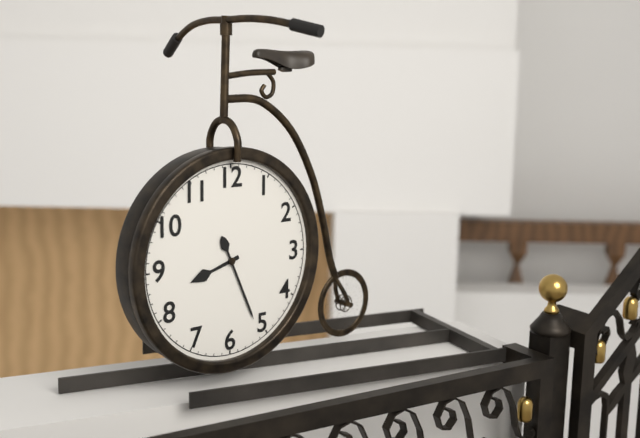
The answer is 8:26
